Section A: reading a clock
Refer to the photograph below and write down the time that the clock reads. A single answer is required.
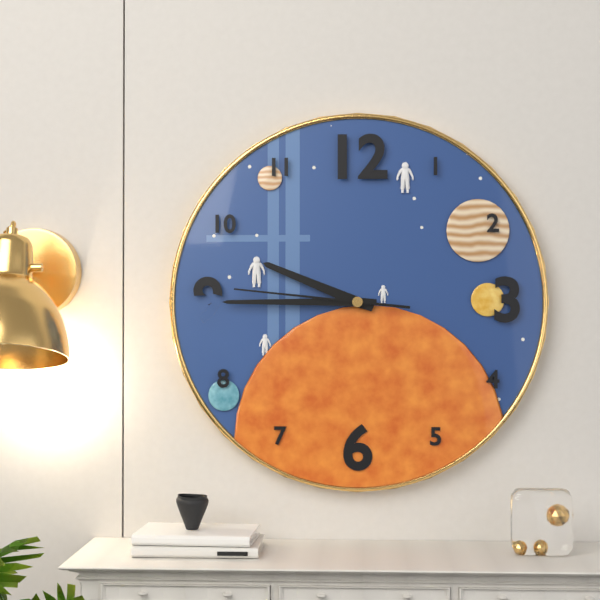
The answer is 9:45:46
